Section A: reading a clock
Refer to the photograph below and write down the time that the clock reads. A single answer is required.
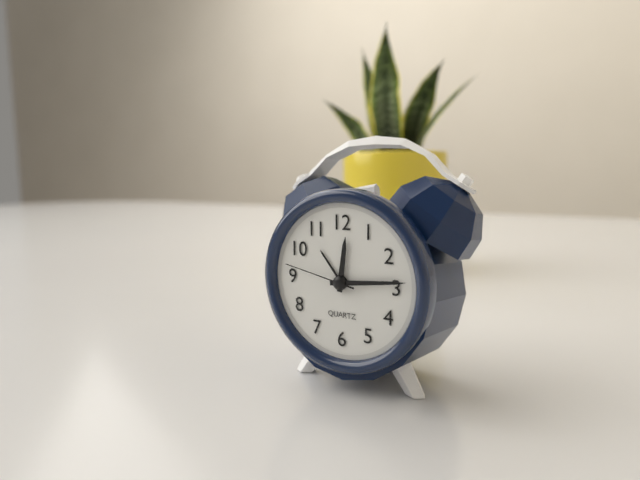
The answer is 12:14:47
